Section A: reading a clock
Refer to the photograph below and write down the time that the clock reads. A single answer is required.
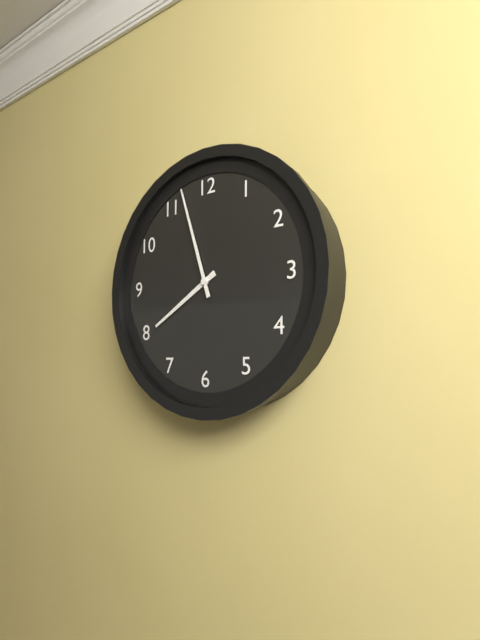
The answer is 7:57
